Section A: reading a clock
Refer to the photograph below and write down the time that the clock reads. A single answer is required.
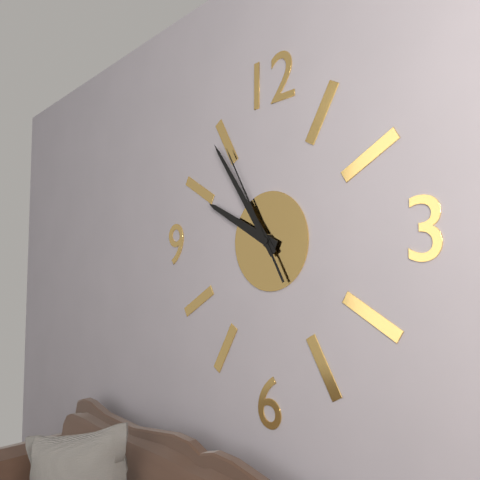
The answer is 9:54:55
